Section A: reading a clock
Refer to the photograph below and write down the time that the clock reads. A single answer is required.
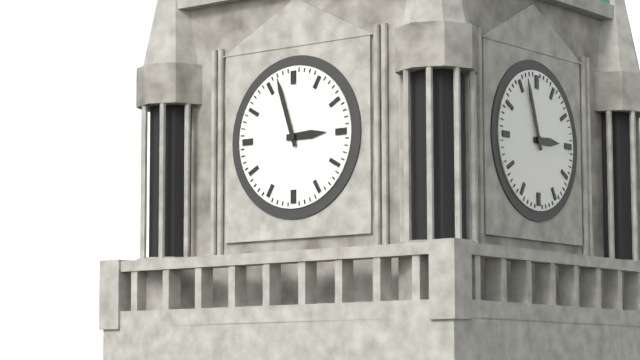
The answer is 2:57
